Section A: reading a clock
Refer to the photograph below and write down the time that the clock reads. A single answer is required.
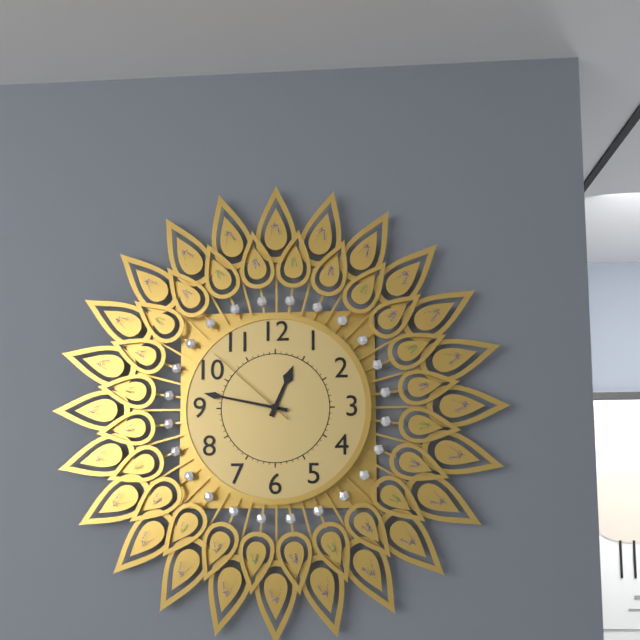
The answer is 12:47:52
